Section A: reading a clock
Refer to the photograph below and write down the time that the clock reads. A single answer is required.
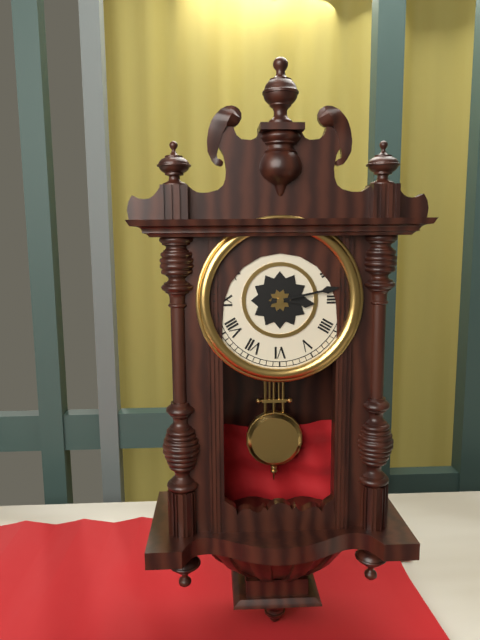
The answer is 3:13
